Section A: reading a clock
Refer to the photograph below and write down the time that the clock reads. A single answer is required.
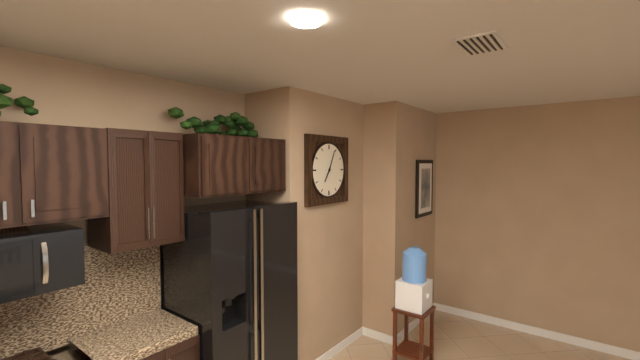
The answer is 7:04
